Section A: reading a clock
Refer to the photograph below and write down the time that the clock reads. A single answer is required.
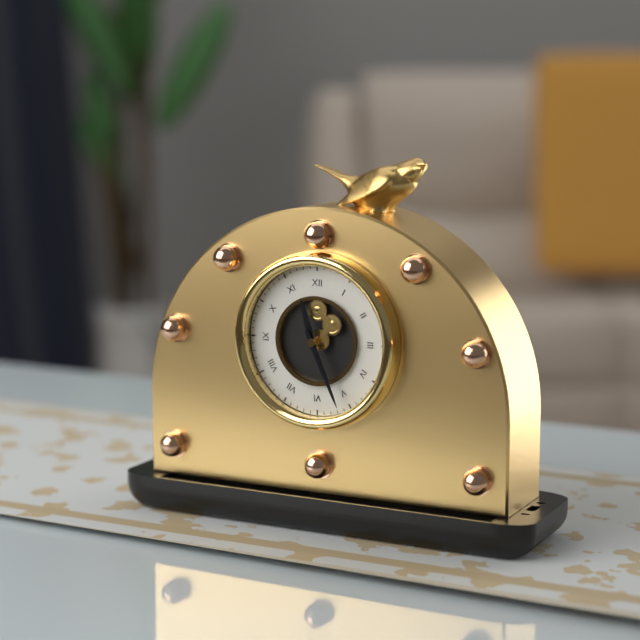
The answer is 11:26
